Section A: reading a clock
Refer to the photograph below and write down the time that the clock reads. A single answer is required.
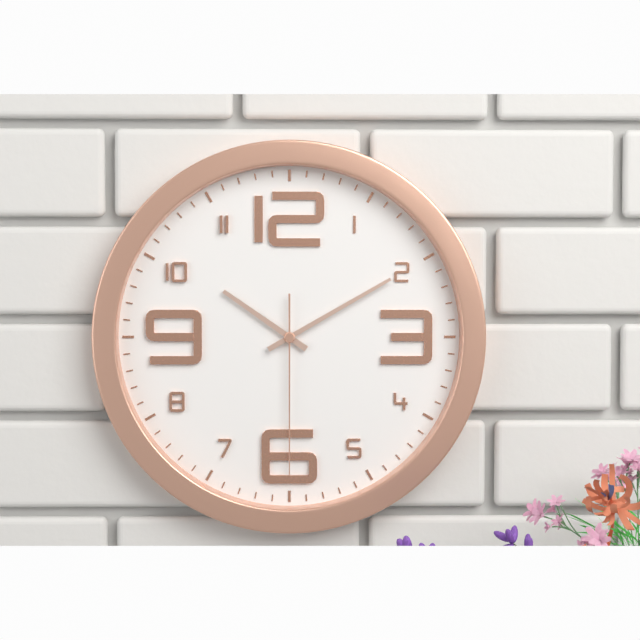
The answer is 10:10:30
